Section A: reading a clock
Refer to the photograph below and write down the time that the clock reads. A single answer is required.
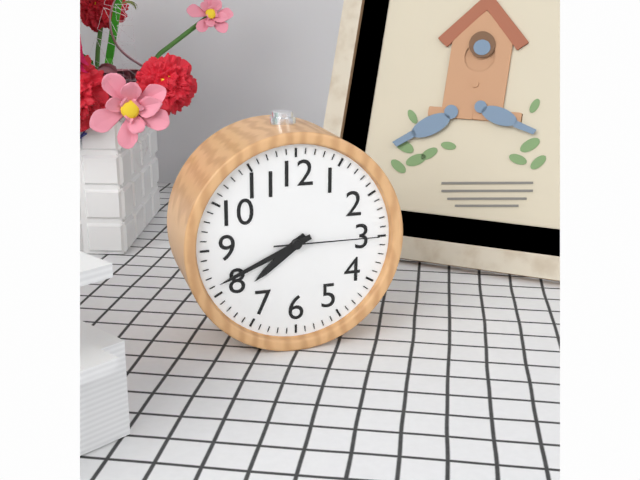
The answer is 7:41:15
